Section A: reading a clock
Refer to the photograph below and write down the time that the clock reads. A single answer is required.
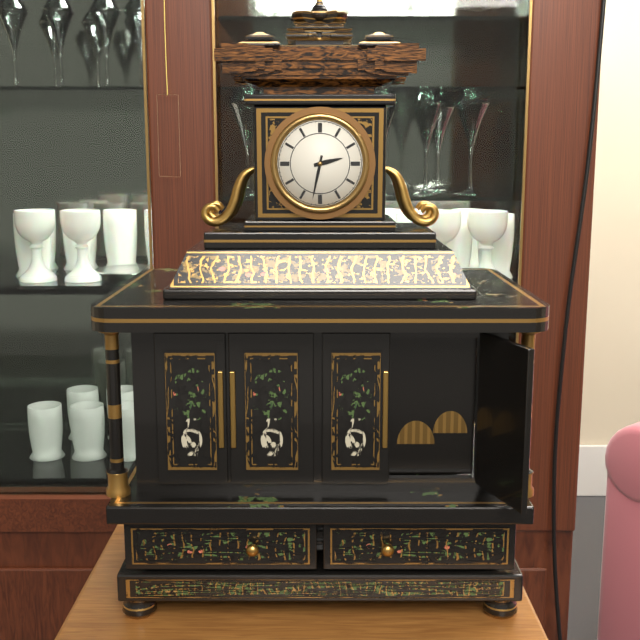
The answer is 2:32
